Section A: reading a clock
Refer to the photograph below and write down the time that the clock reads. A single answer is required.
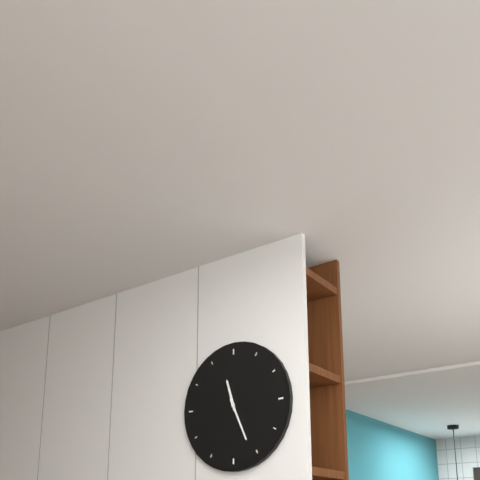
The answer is 11:26
